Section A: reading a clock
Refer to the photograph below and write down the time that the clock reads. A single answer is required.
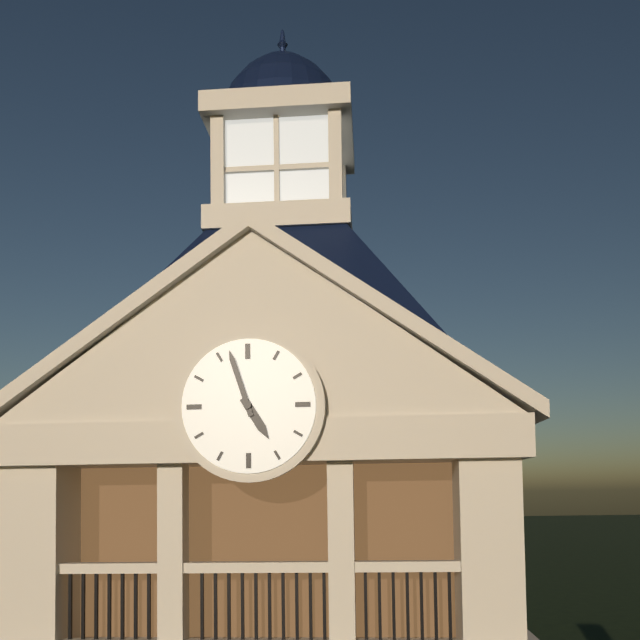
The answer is 4:57
